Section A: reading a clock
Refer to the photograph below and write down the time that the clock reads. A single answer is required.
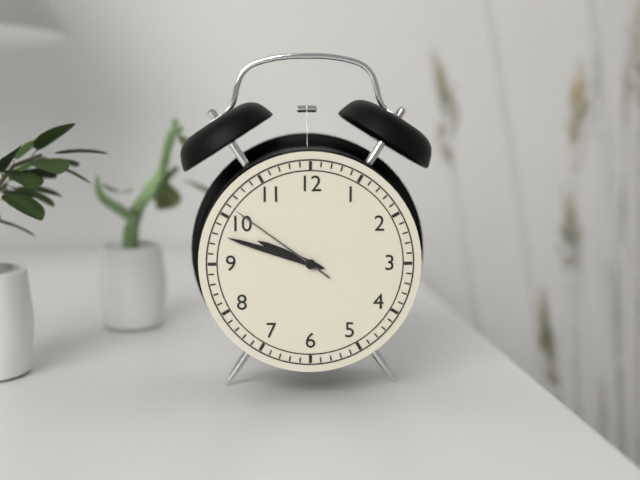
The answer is 9:48:51
